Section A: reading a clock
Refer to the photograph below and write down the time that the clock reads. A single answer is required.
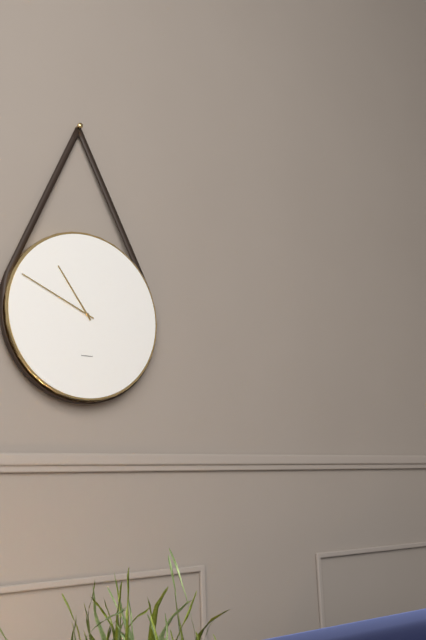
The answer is 10:49
